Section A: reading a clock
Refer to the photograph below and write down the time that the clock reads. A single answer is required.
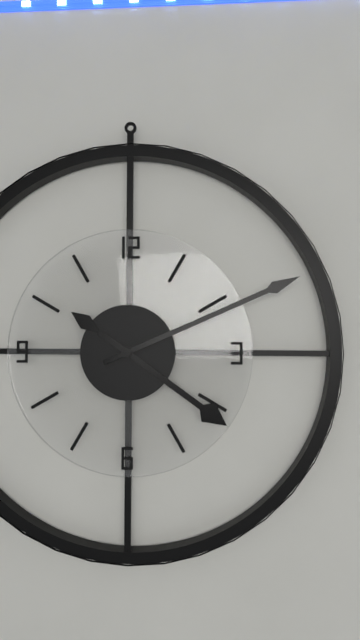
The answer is 4:11
